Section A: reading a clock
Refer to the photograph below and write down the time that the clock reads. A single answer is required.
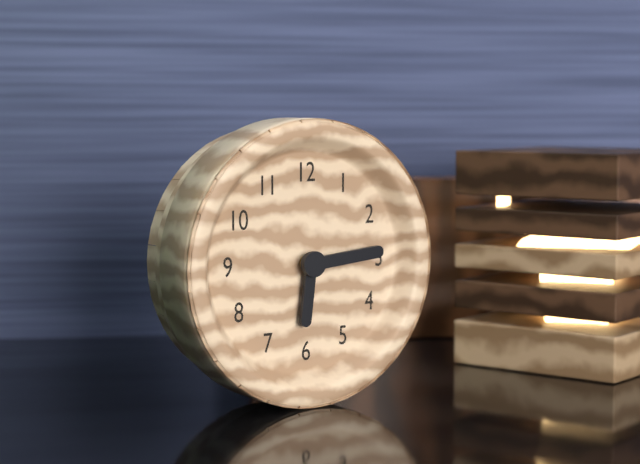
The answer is 6:14
